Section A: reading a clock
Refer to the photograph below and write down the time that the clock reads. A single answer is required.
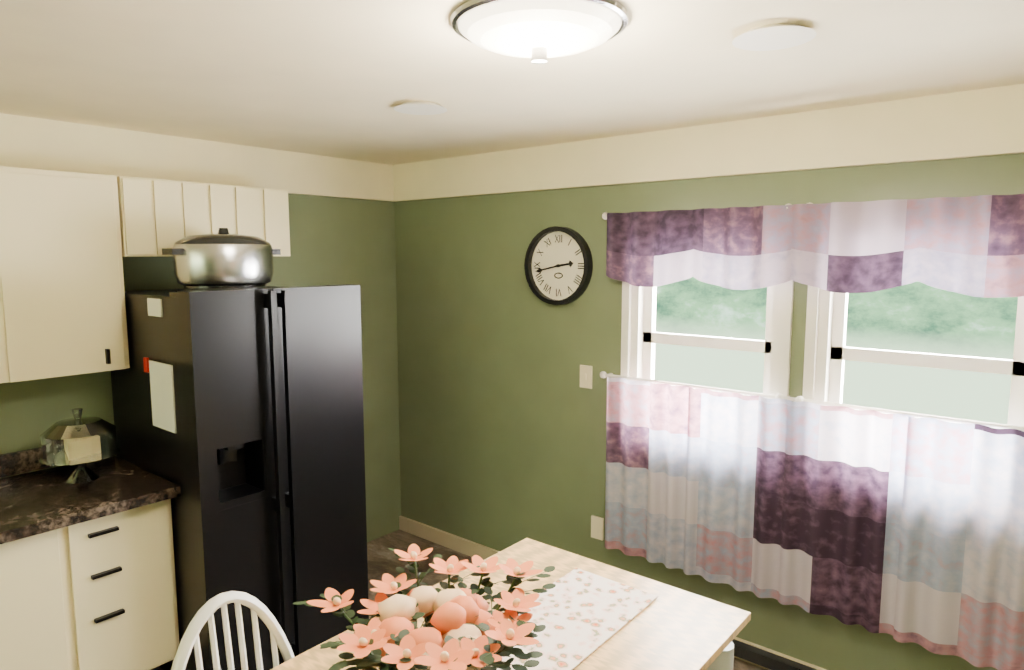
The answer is 2:43
